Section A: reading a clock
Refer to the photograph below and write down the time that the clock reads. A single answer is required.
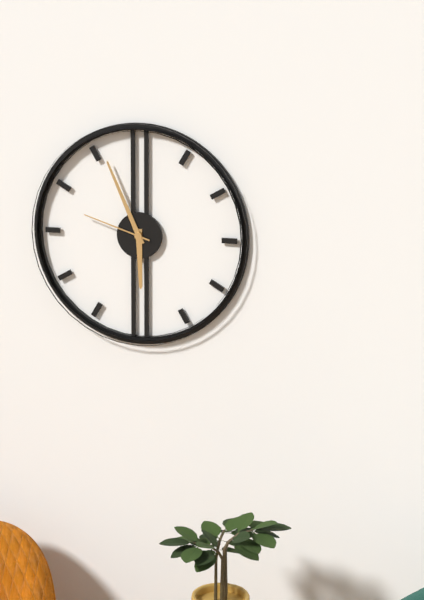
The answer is 5:56:48
